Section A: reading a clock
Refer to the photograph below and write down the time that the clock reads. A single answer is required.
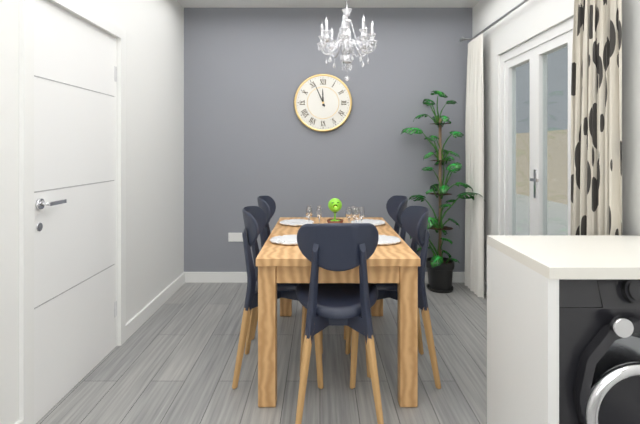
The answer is 11:56
